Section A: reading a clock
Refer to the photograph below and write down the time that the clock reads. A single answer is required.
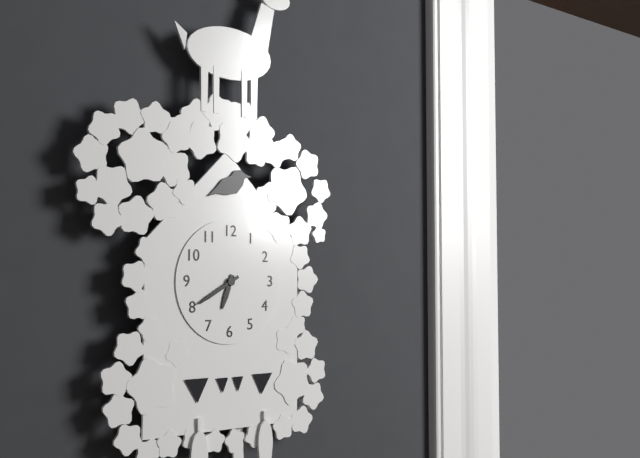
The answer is 6:40
